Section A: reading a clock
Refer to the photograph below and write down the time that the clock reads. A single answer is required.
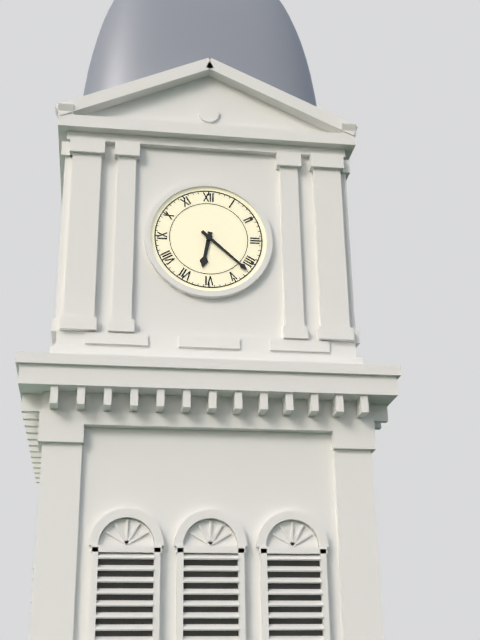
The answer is 6:22
